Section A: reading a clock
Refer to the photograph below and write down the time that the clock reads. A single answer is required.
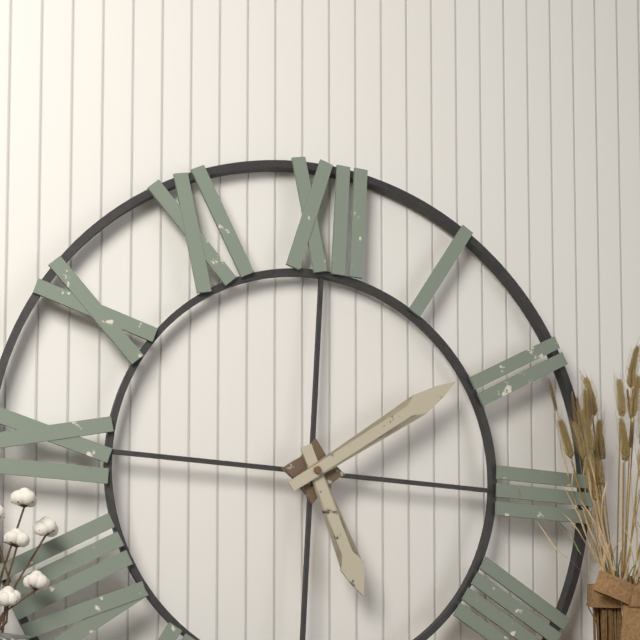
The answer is 5:09
